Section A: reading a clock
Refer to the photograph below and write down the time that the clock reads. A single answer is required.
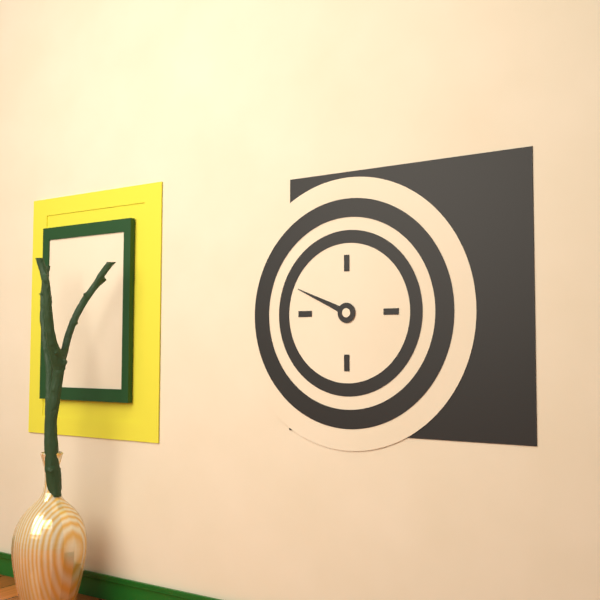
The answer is 9:49
